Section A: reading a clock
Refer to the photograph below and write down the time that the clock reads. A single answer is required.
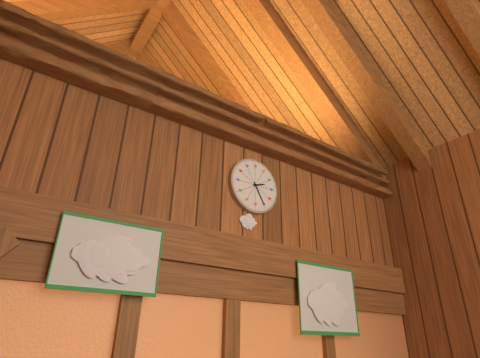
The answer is 2:25
